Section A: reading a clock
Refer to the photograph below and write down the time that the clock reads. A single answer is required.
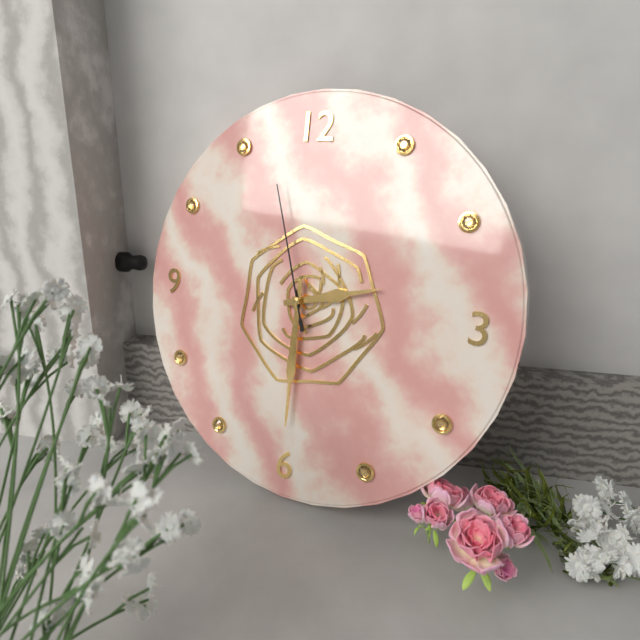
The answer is 2:30:57
